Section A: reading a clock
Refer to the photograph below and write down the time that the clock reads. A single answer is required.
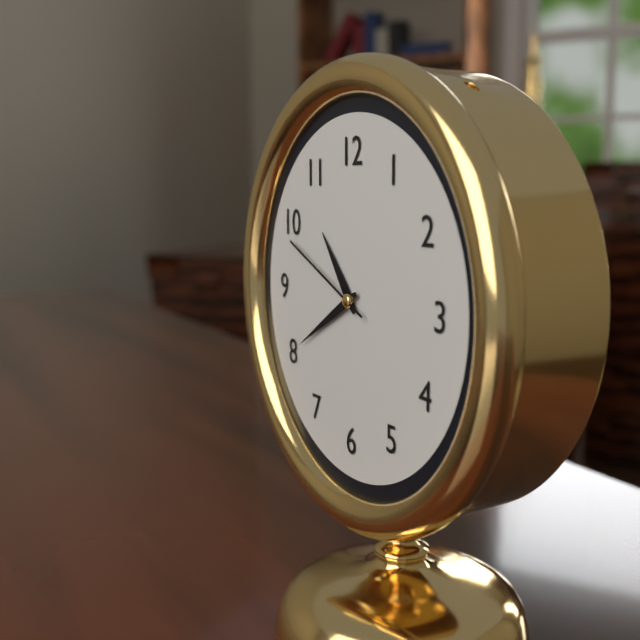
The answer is 10:40:49
